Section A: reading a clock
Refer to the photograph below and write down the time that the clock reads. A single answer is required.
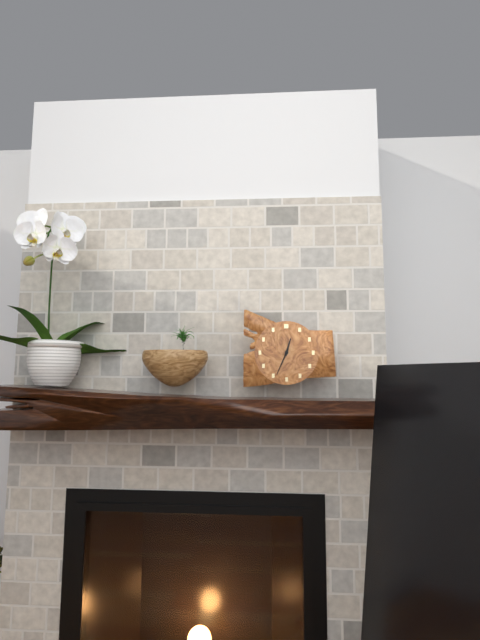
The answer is 12:34
